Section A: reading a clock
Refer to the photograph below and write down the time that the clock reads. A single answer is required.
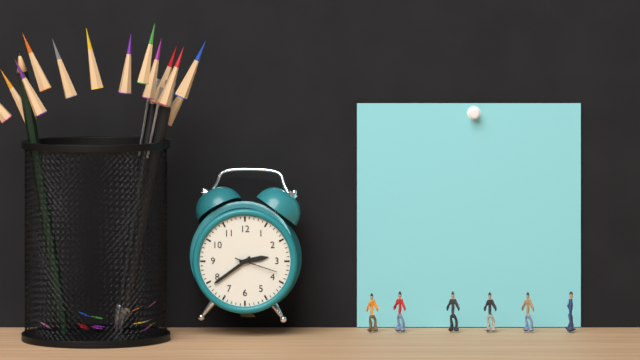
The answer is 2:39
